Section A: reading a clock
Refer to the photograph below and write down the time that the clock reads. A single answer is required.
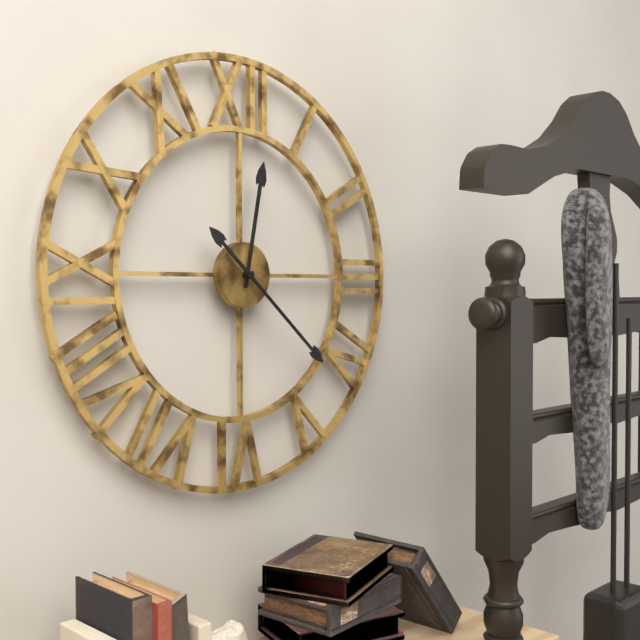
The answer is 12:22
